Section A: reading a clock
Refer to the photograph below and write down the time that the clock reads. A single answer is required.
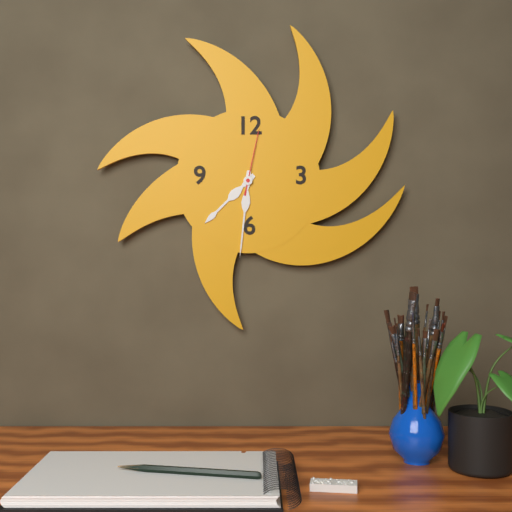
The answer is 7:31:02
